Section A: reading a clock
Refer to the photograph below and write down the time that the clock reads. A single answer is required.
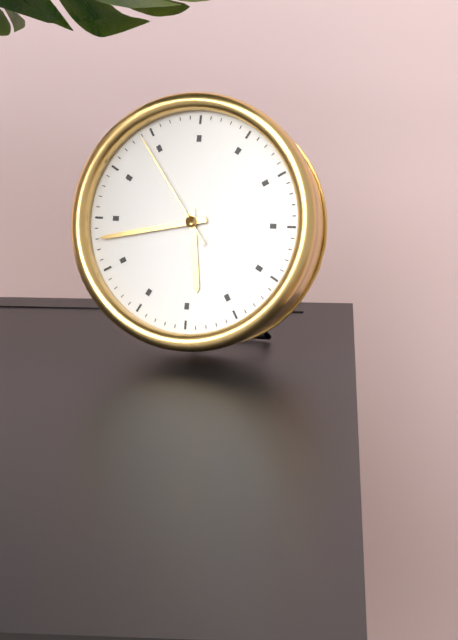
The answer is 5:43:54
